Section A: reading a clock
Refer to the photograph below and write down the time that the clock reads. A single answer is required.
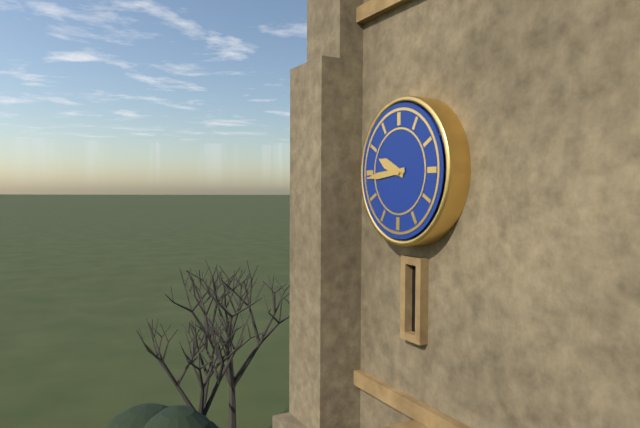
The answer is 9:44
